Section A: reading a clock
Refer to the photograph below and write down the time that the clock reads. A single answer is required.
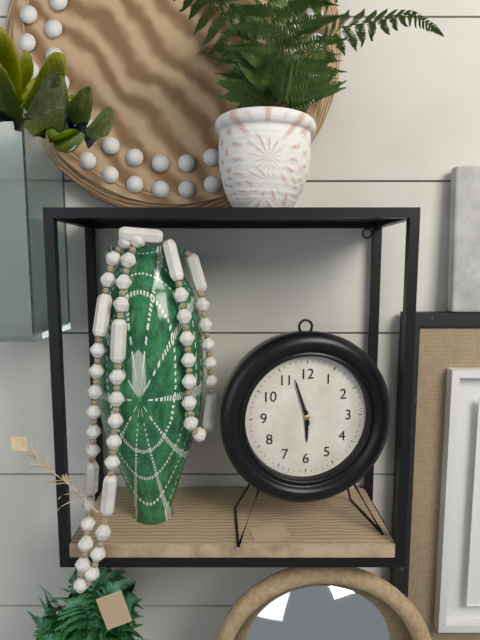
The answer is 5:57
